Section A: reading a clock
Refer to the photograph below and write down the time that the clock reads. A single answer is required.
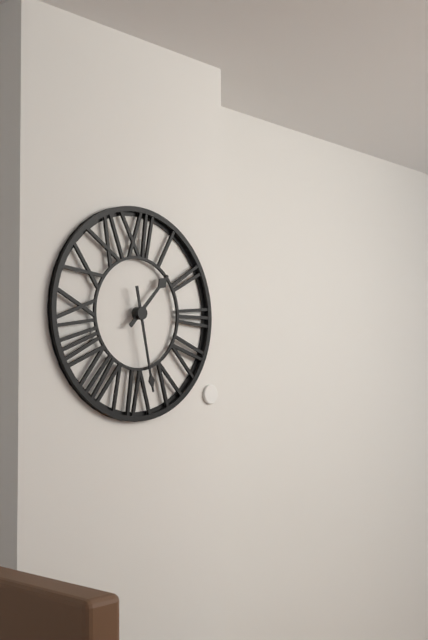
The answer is 1:28
